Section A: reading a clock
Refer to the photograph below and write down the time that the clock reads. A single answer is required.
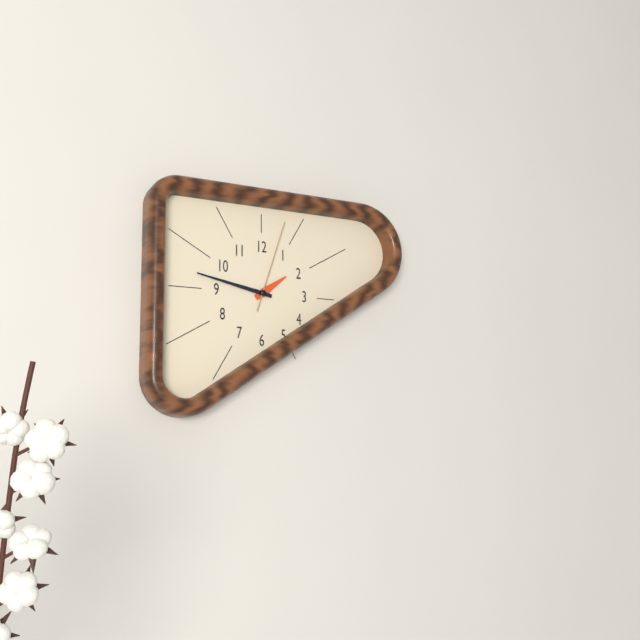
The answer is 1:47:03
